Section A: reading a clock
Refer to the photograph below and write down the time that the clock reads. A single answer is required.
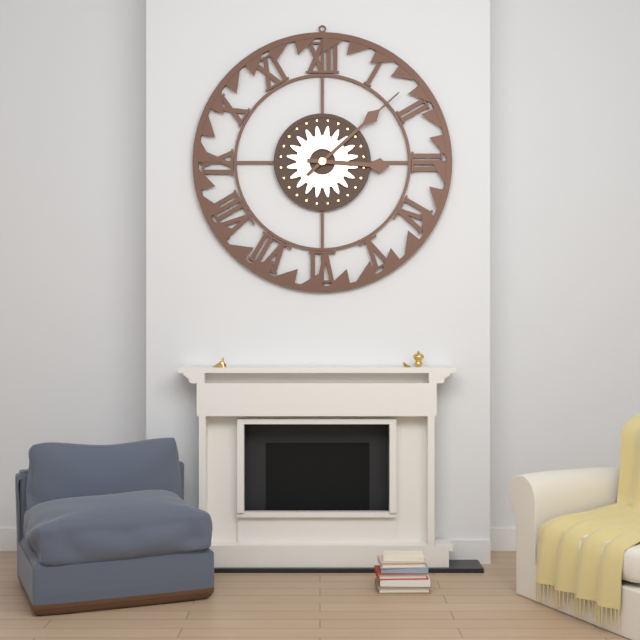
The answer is 3:08
